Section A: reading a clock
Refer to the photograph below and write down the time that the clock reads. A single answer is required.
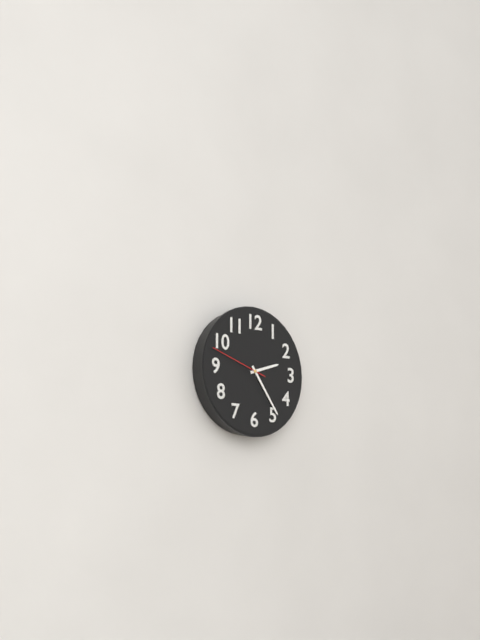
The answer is 2:24:48
